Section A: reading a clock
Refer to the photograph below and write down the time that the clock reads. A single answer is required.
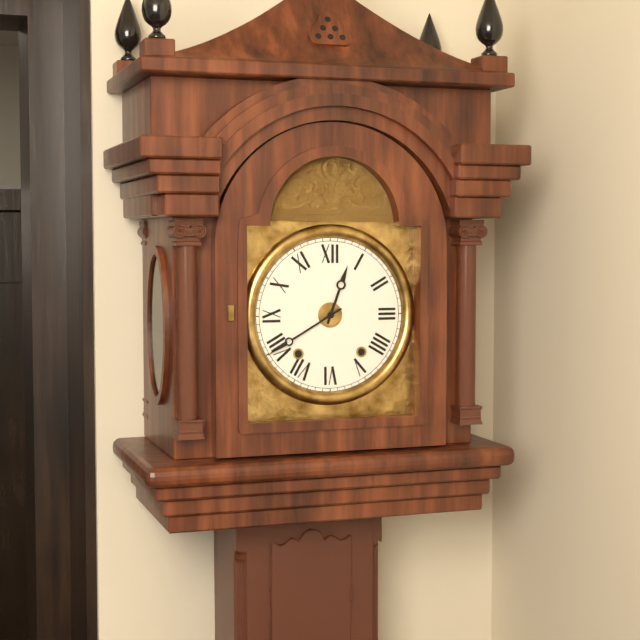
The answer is 12:40
